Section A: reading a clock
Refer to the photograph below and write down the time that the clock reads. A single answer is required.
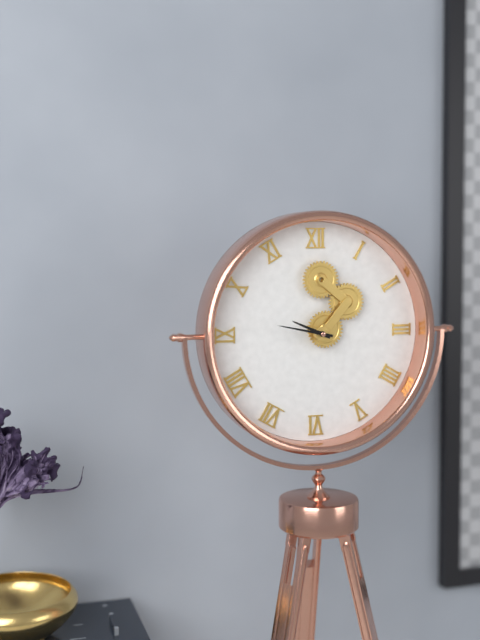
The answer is 9:47
